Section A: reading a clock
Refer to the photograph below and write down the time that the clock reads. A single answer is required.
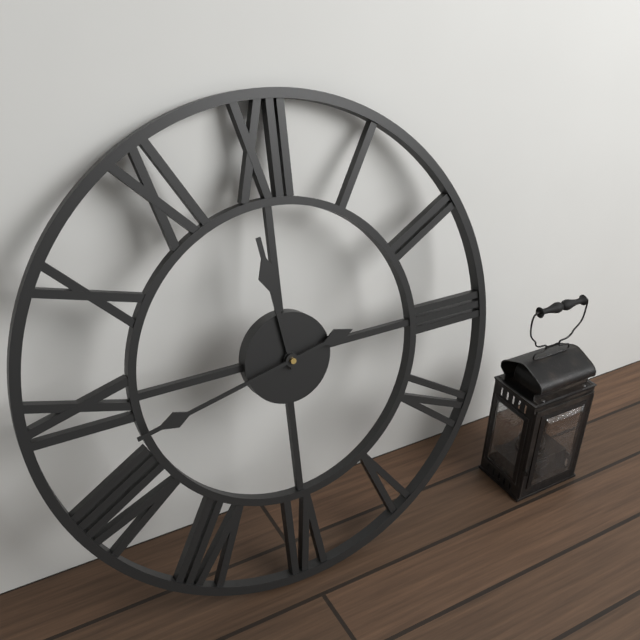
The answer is 11:43
